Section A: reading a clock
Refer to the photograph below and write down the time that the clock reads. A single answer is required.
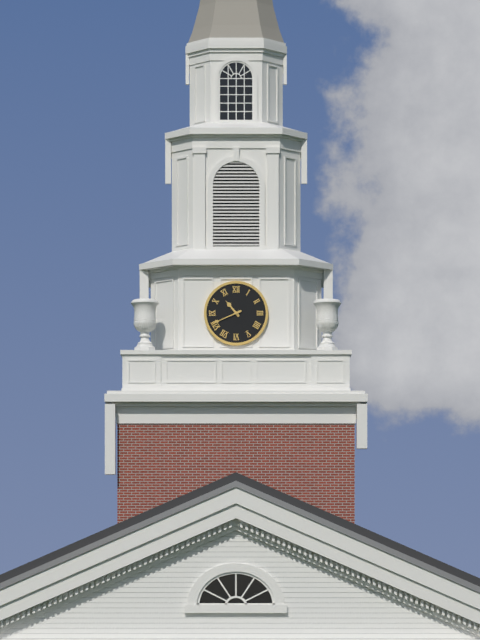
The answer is 10:41
